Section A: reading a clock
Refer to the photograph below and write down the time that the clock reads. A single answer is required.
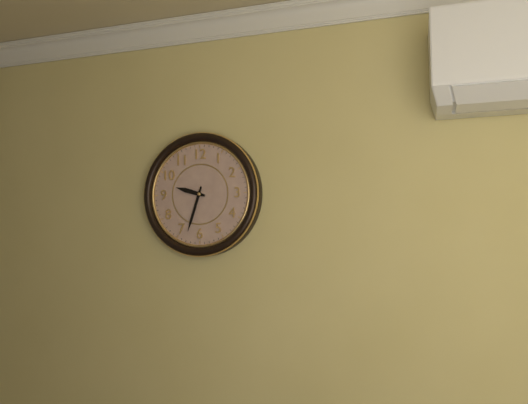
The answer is 9:33
